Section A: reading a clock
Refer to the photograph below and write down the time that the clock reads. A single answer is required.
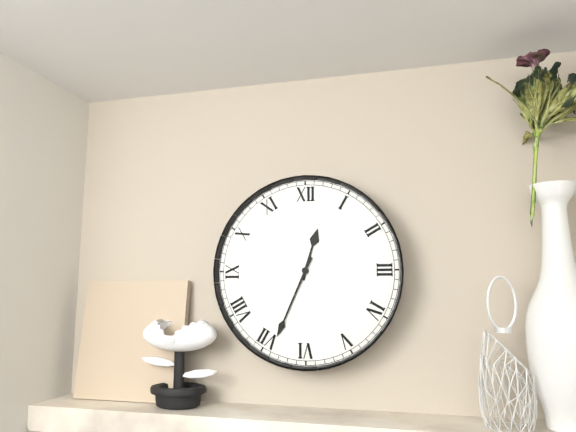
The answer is 12:34
